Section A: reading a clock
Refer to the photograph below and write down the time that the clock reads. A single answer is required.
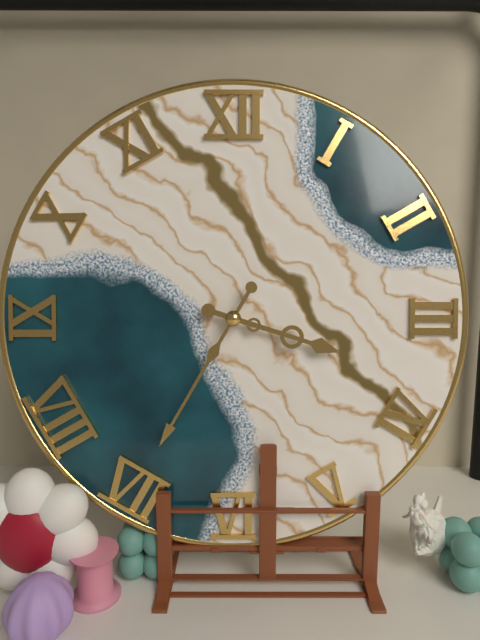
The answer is 3:35
